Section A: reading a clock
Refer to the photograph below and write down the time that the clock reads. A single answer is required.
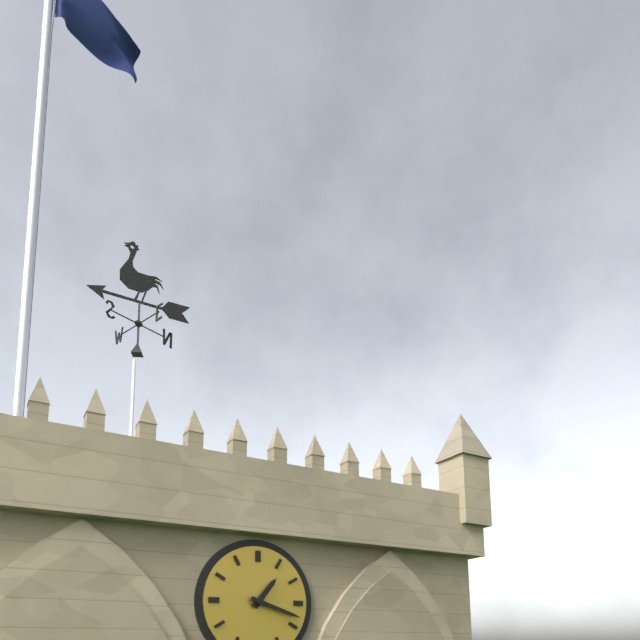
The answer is 1:18
